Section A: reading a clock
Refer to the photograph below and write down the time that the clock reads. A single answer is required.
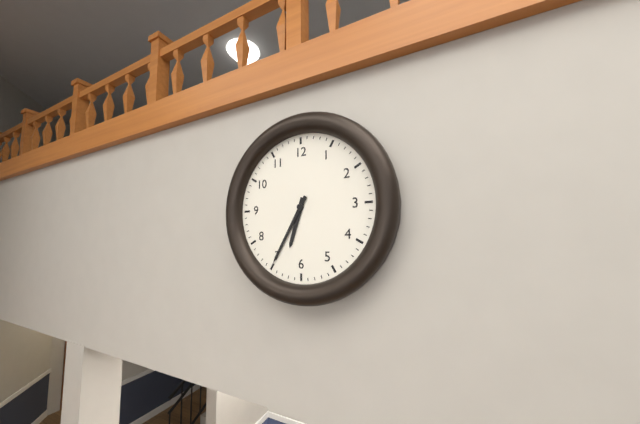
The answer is 6:35
